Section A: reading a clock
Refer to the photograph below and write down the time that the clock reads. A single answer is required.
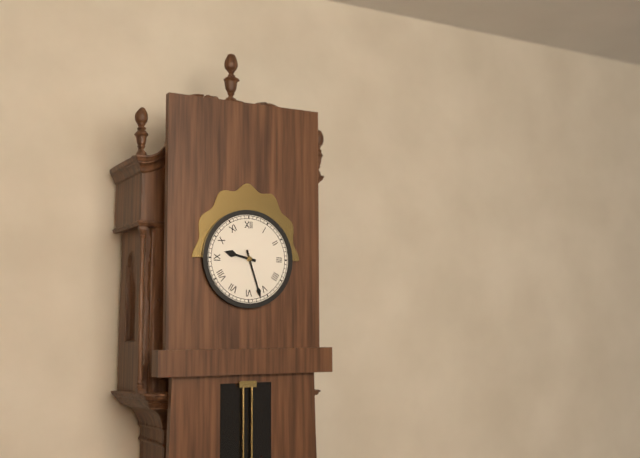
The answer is 9:27
